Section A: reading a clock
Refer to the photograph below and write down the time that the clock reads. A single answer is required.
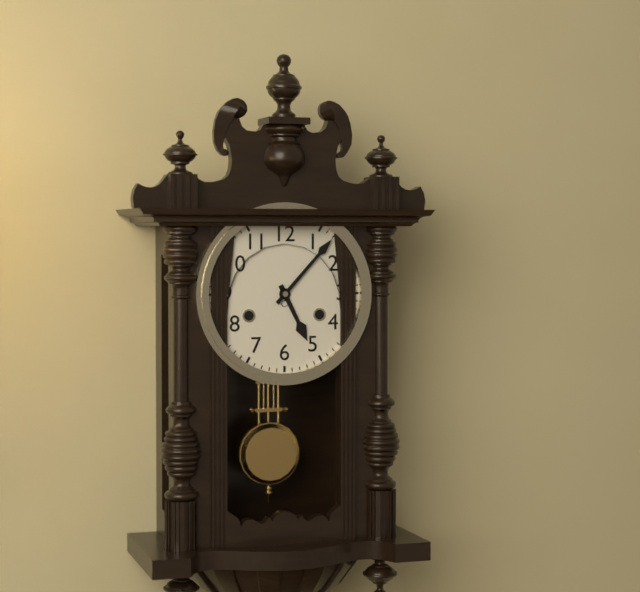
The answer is 5:07
